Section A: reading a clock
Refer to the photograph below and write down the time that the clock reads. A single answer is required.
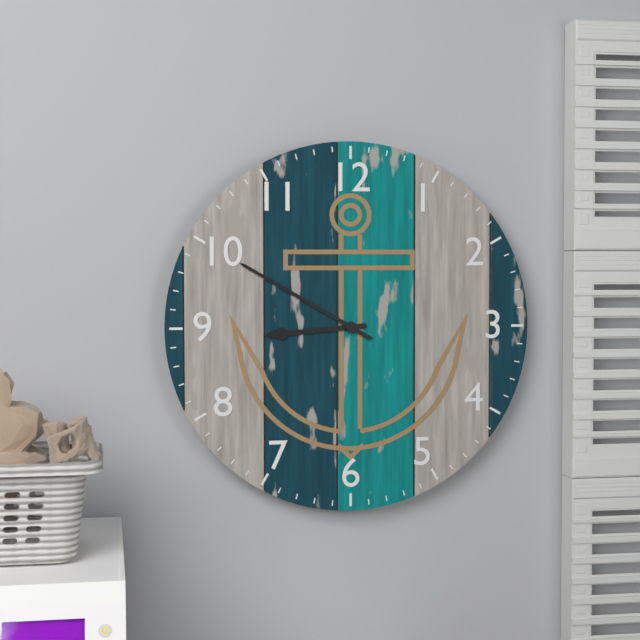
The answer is 8:50
